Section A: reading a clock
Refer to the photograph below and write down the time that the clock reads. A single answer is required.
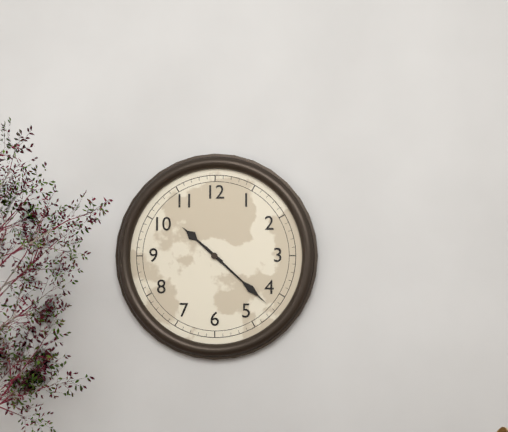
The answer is 10:22
